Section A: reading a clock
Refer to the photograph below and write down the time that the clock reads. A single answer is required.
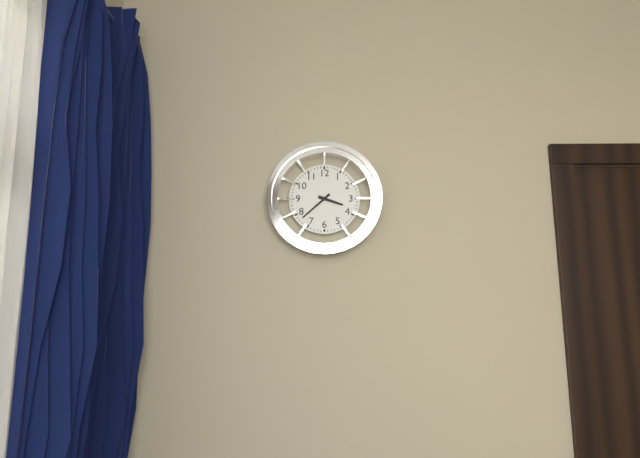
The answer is 3:38
